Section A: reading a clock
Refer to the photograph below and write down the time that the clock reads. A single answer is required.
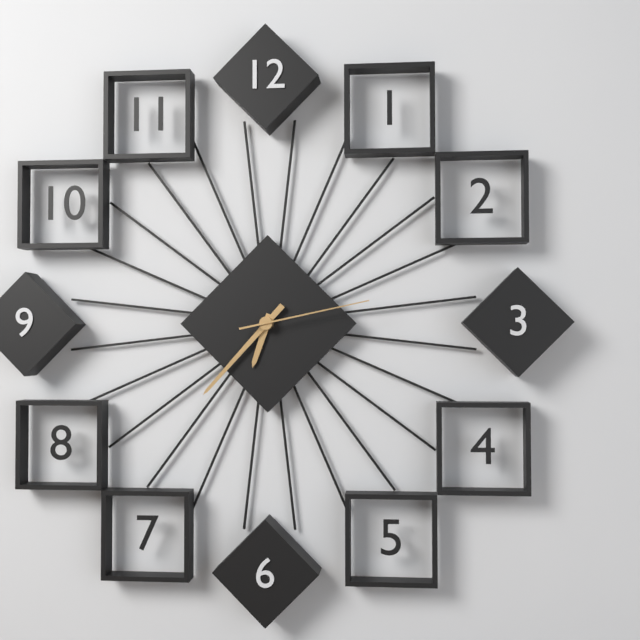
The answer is 6:37:13
